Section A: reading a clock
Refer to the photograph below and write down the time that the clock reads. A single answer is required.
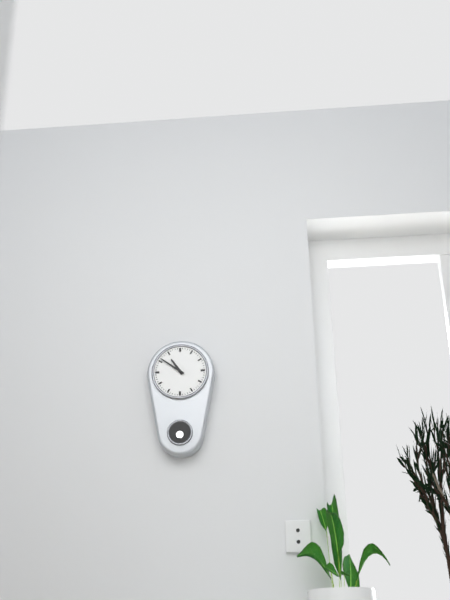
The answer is 10:51
